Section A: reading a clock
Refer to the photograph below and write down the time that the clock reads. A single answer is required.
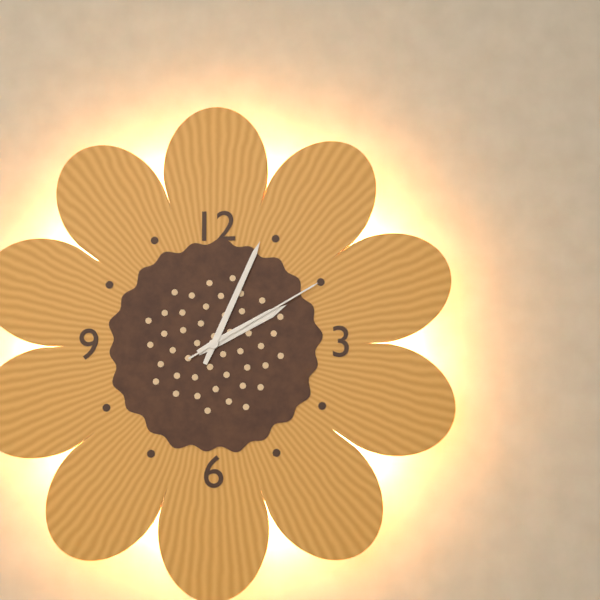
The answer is 2:04:10
